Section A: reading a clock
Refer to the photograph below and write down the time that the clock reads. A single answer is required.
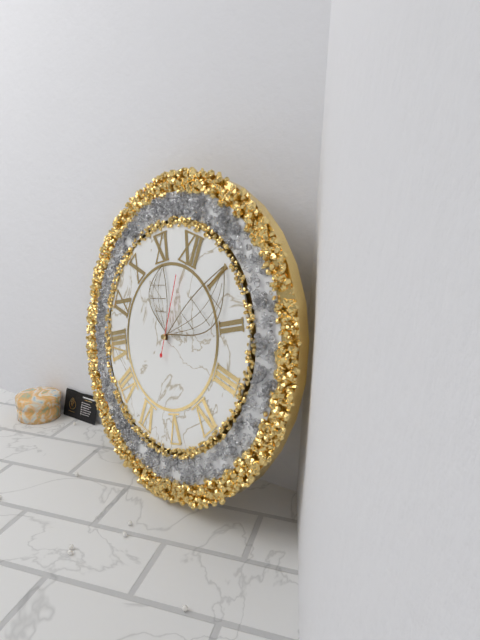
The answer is 11:05:59
